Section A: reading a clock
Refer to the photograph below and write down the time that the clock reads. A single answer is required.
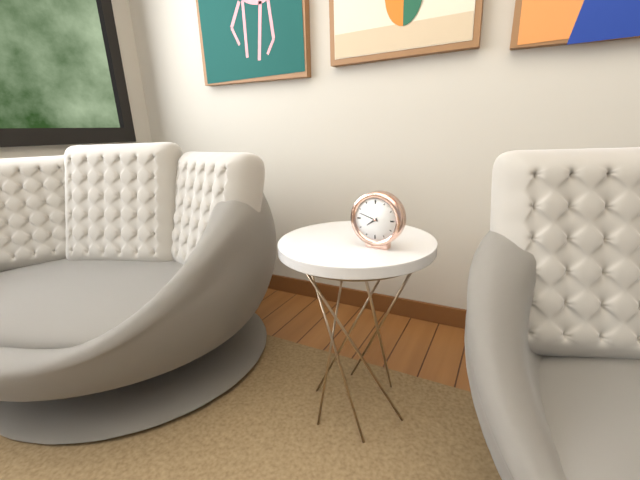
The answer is 7:48
